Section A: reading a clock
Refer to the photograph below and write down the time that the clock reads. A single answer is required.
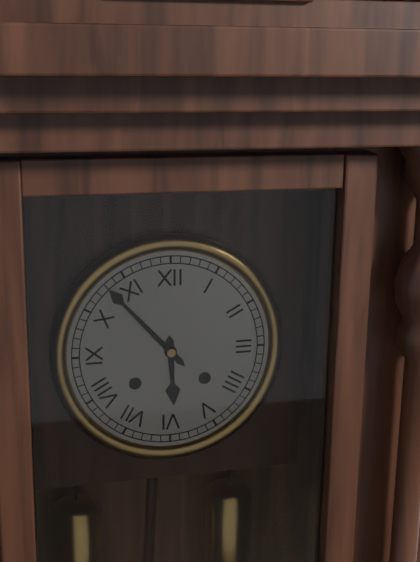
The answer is 5:53
